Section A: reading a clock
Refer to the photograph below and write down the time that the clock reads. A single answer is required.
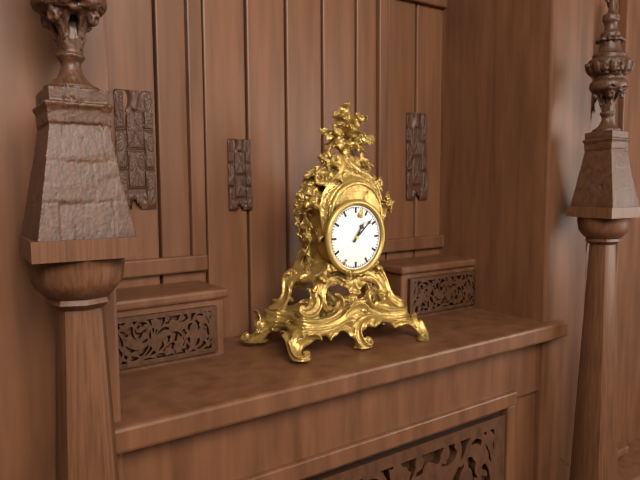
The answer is 1:08
